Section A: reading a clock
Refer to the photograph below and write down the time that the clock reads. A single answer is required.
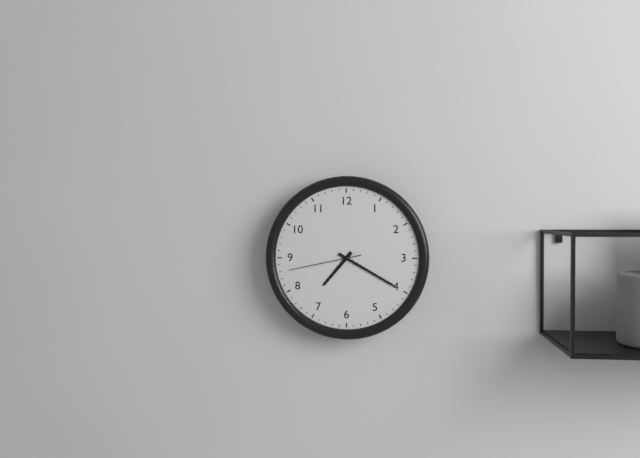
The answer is 7:20:43
